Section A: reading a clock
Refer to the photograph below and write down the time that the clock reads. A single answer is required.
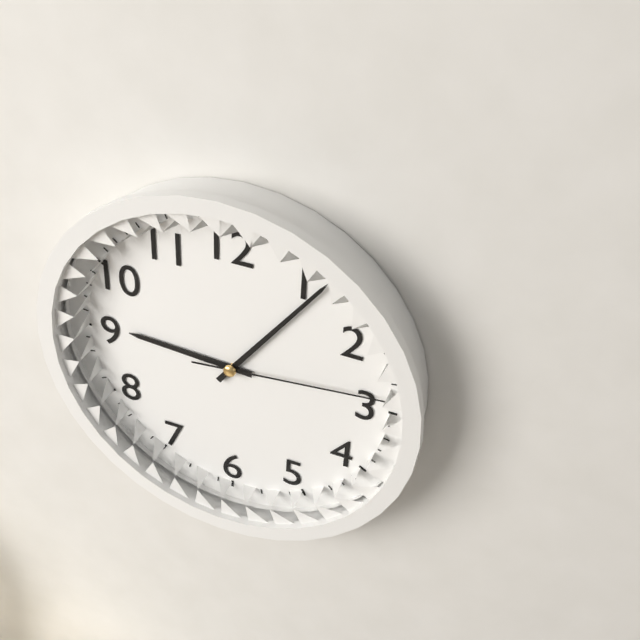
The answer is 9:06:14
